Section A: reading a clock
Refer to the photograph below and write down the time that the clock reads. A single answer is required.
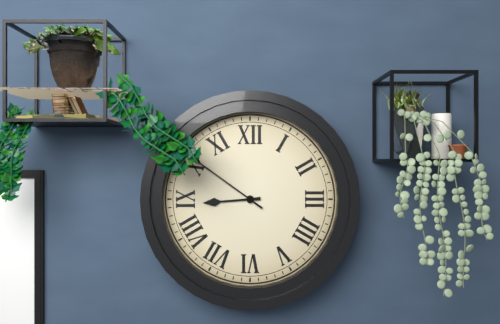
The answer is 8:51
